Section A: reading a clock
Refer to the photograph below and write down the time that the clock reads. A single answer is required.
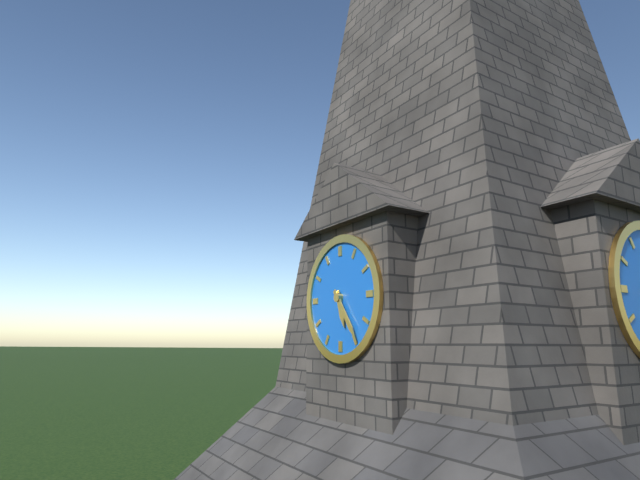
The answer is 5:24
